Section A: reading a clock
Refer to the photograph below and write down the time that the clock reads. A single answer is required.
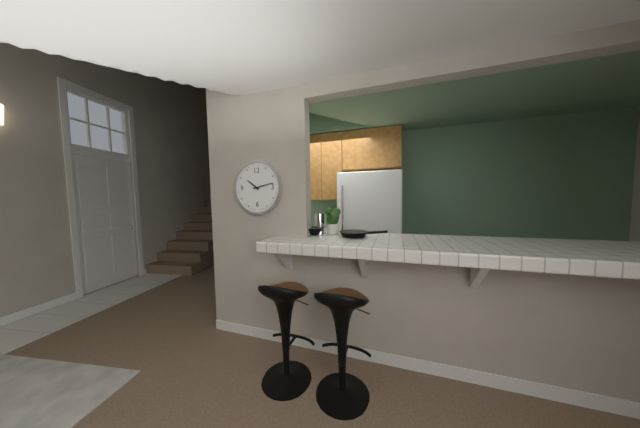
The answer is 10:13
